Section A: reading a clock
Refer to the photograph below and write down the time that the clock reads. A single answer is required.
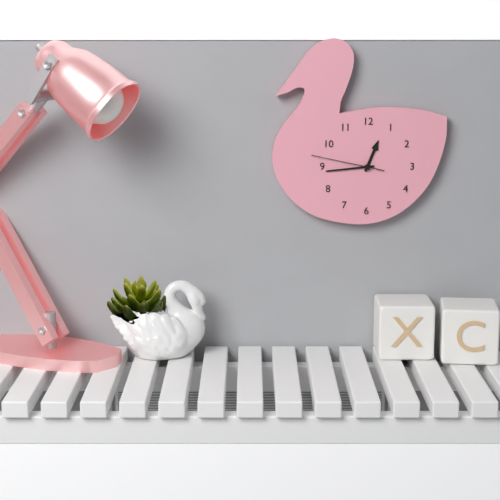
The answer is 12:44:47
